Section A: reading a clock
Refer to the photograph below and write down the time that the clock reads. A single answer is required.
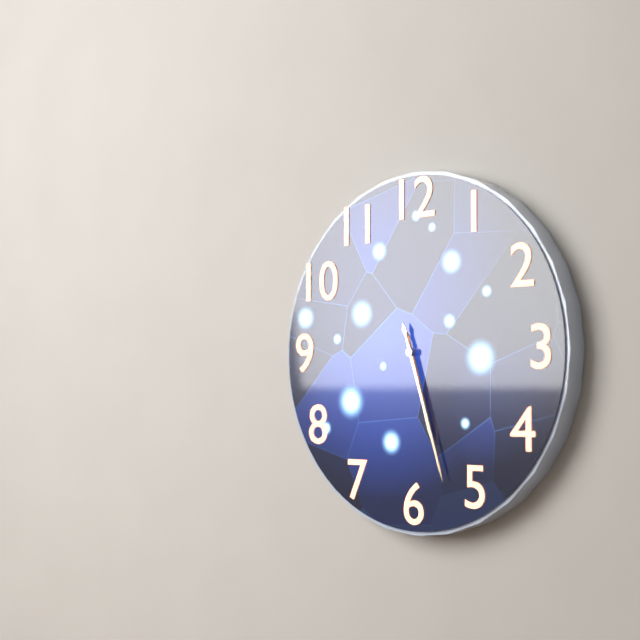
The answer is 5:27
